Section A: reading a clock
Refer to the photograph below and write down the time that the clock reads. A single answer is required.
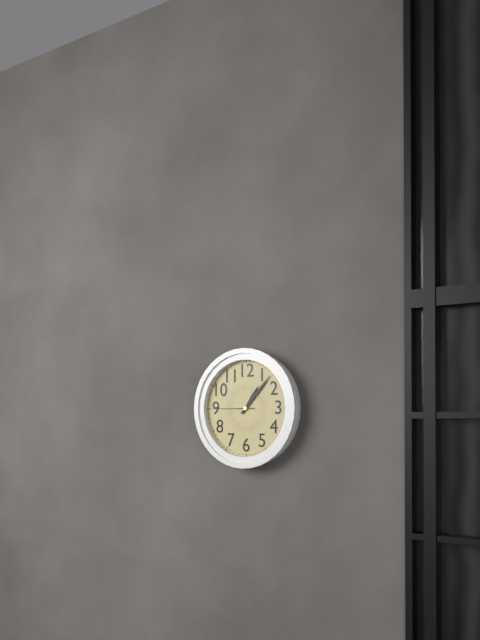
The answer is 1:07
